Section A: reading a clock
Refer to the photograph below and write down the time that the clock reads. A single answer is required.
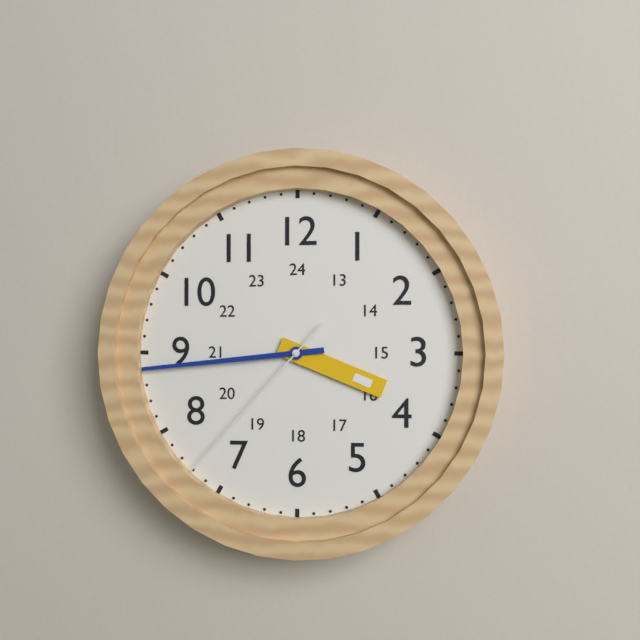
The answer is 3:44:37
